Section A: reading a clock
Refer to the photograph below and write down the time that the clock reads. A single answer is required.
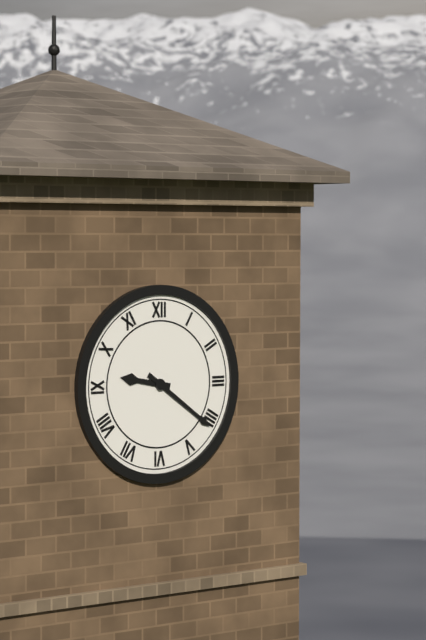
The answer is 9:21
